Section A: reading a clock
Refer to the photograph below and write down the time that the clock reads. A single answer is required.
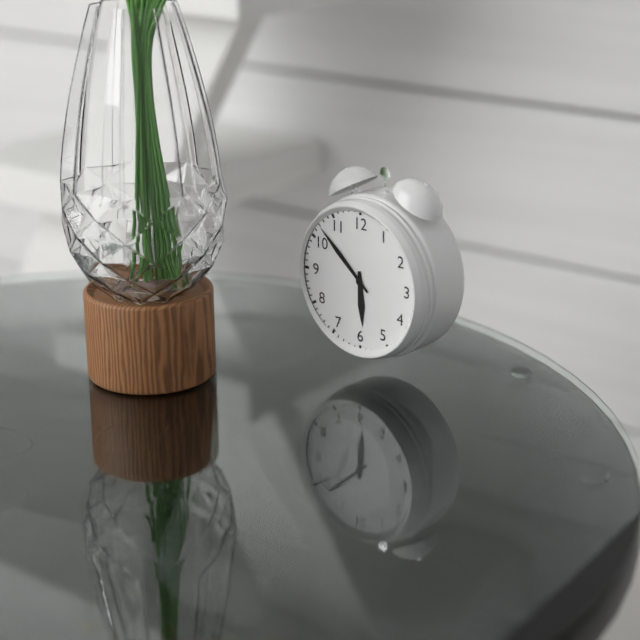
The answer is 5:52
